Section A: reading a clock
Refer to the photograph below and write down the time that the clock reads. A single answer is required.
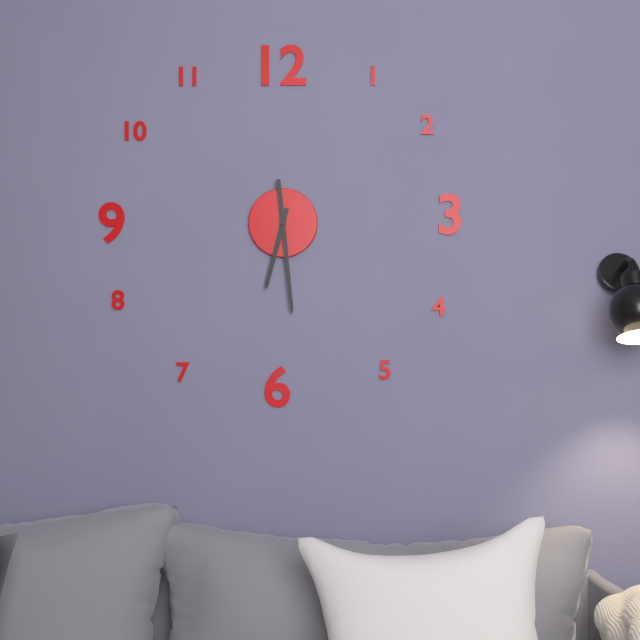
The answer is 6:29
